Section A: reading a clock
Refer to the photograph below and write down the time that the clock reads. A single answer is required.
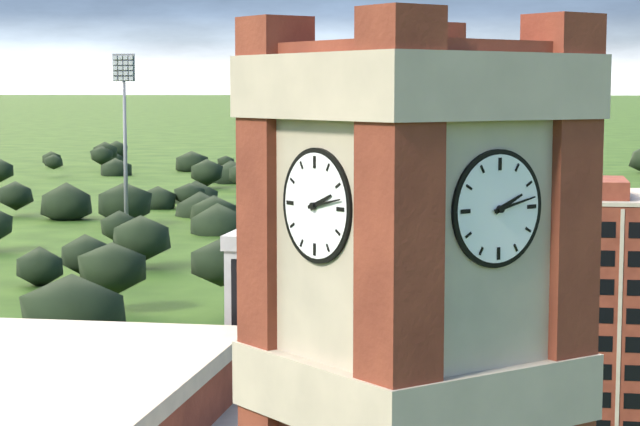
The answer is 2:13
